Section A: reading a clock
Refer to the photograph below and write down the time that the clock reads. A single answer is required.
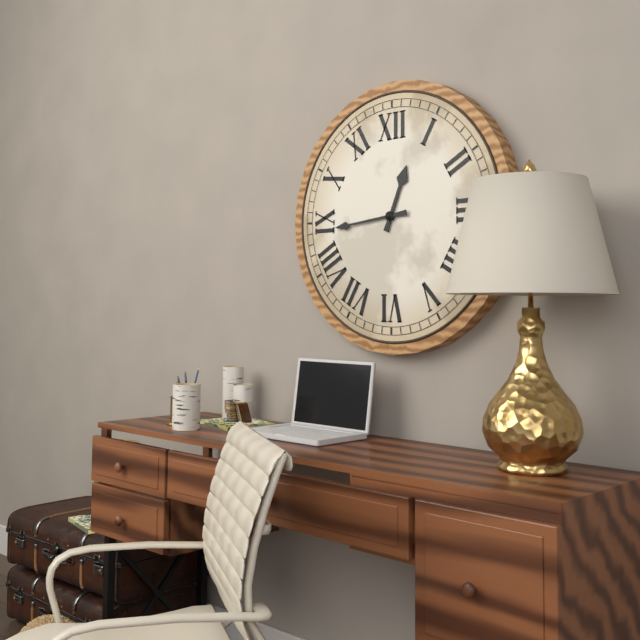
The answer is 12:44
